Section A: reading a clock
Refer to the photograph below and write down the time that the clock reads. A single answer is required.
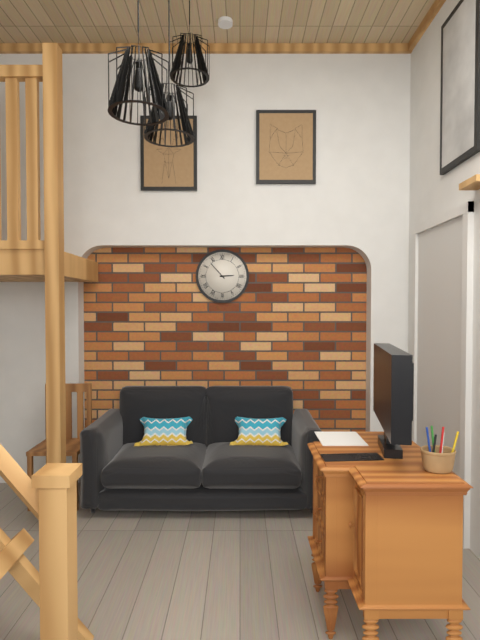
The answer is 2:53
